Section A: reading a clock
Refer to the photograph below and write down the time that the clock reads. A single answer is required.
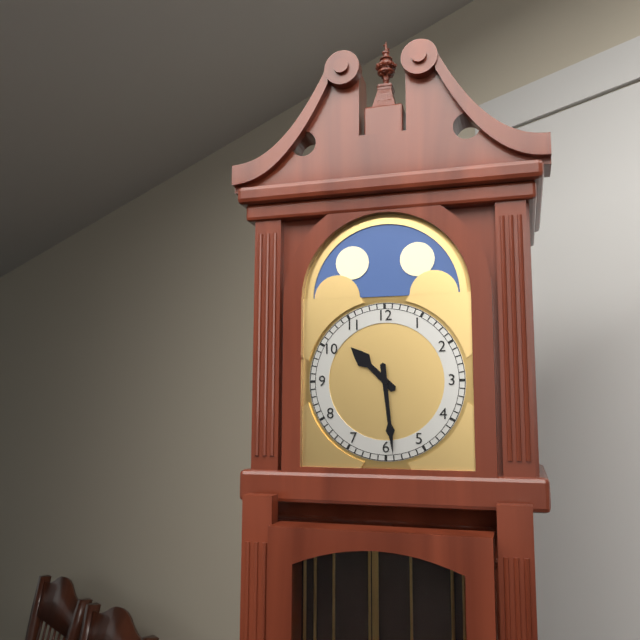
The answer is 10:29
